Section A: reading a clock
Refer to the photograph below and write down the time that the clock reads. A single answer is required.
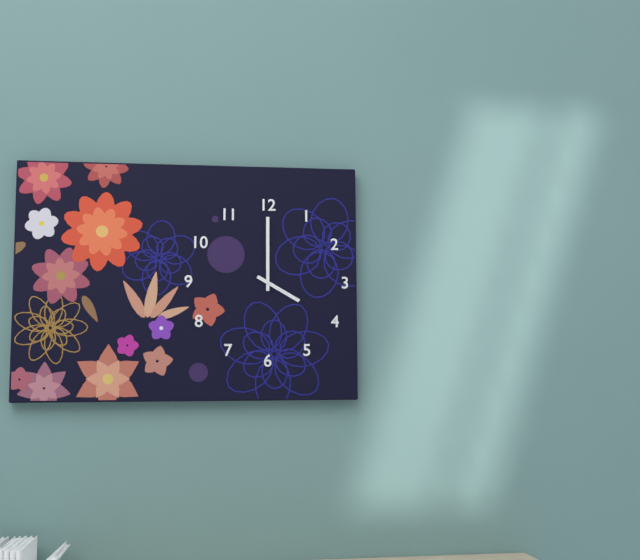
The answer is 4:00
